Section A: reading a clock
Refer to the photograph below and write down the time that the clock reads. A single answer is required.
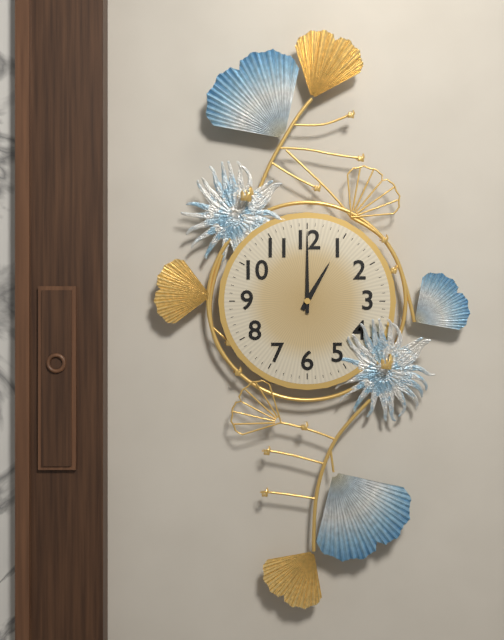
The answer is 1:00
